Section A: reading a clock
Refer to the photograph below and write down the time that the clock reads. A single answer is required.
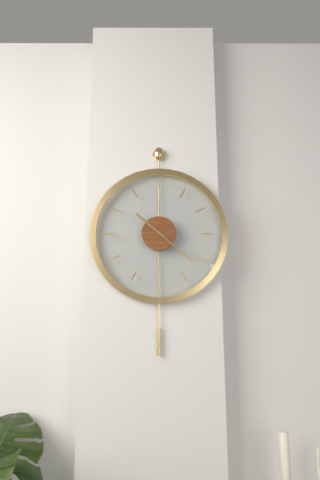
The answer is 10:22
